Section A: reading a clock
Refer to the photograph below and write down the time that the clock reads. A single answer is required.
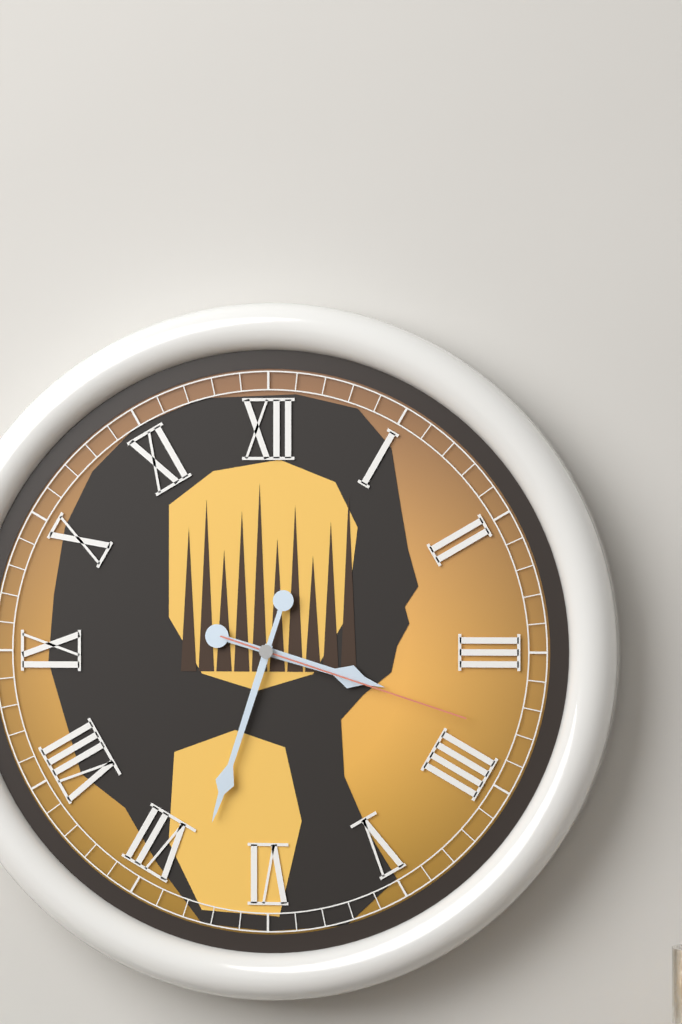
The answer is 3:33:18
